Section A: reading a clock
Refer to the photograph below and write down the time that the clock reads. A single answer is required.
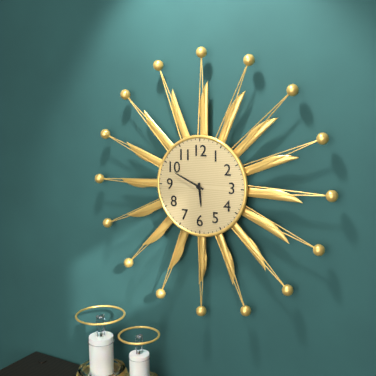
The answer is 5:49
